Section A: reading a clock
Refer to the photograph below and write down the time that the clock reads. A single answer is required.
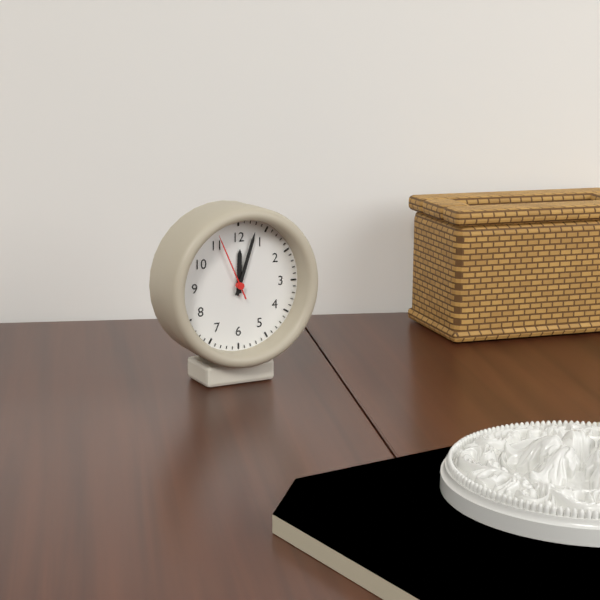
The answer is 12:03:56
